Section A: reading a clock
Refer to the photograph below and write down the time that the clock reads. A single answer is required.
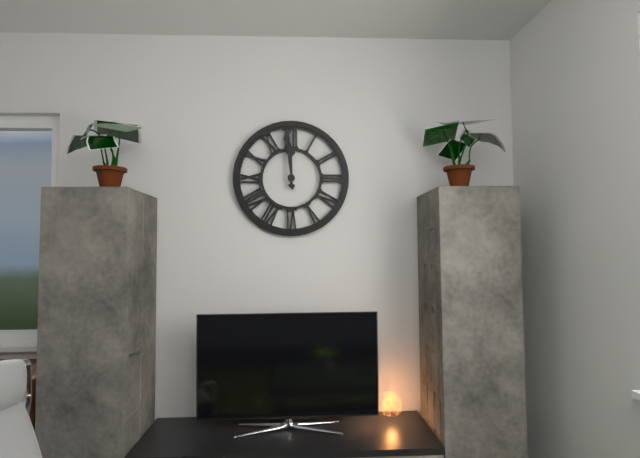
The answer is 11:59
